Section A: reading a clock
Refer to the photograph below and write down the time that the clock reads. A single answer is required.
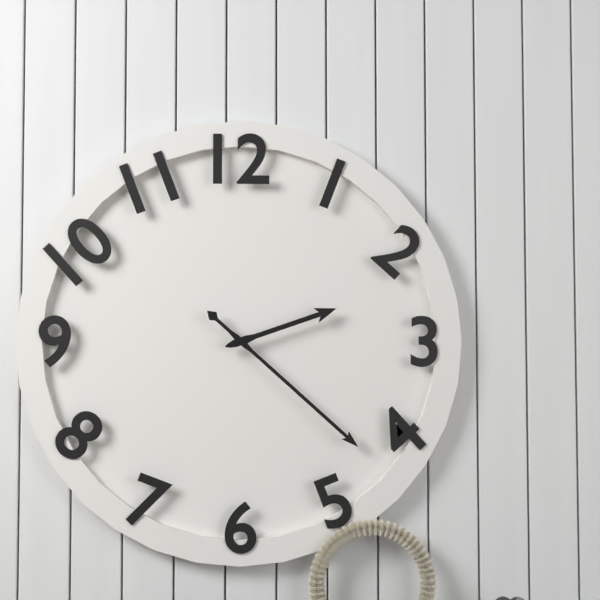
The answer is 2:22
